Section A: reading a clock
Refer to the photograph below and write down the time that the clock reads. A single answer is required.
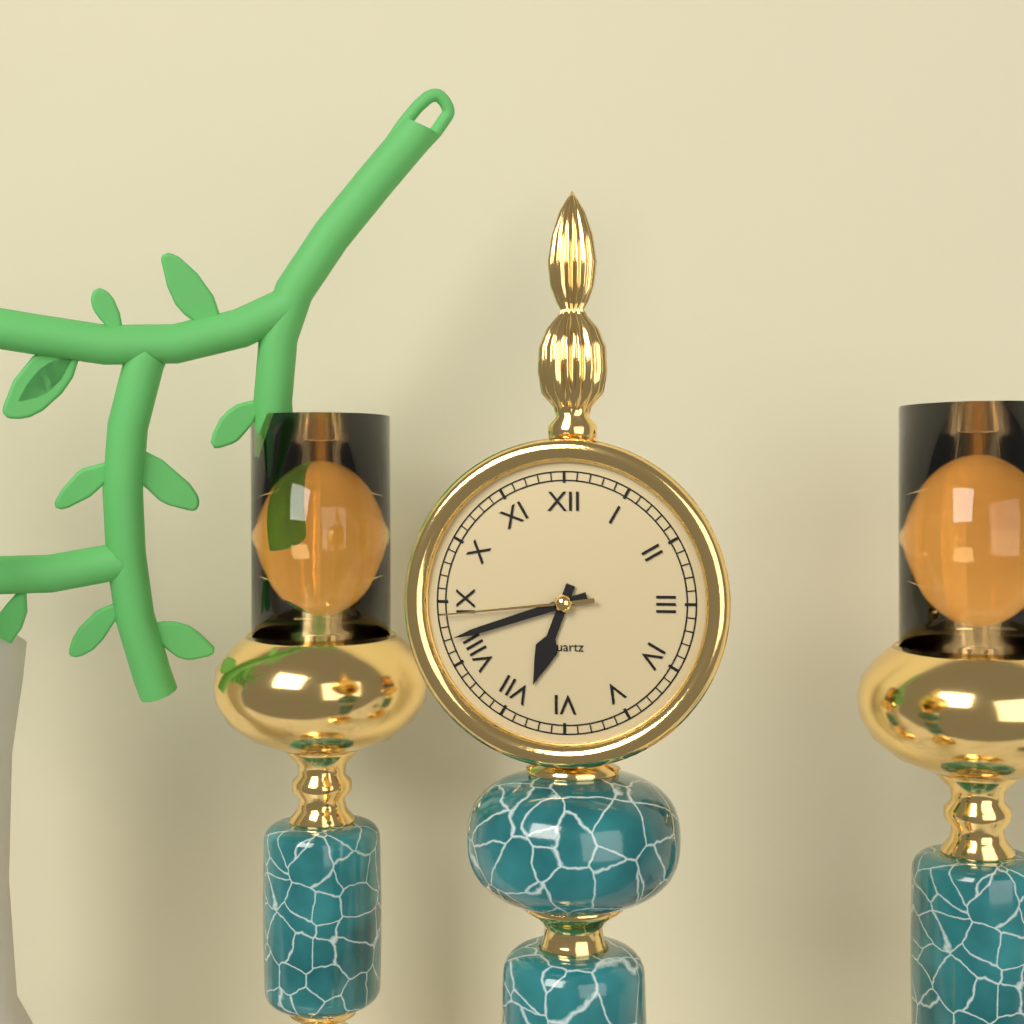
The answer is 6:42:44
